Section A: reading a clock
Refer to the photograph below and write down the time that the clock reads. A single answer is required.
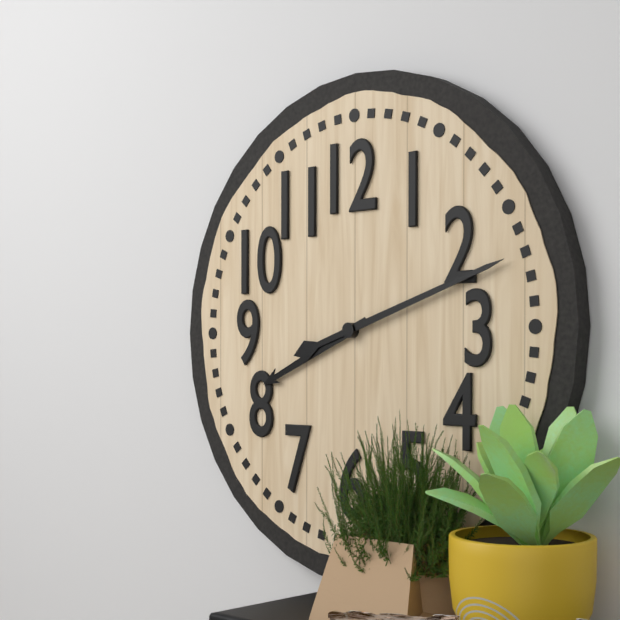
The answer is 8:12
